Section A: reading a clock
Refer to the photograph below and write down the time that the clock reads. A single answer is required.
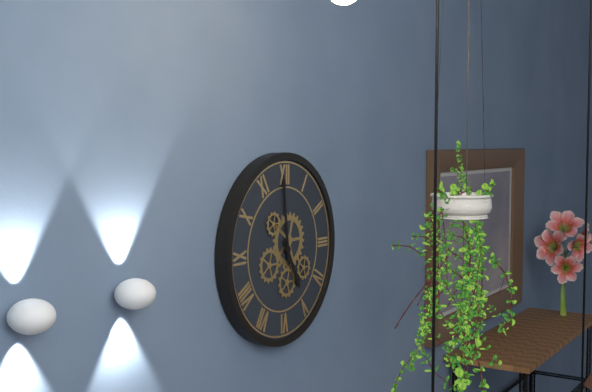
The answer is 4:59
